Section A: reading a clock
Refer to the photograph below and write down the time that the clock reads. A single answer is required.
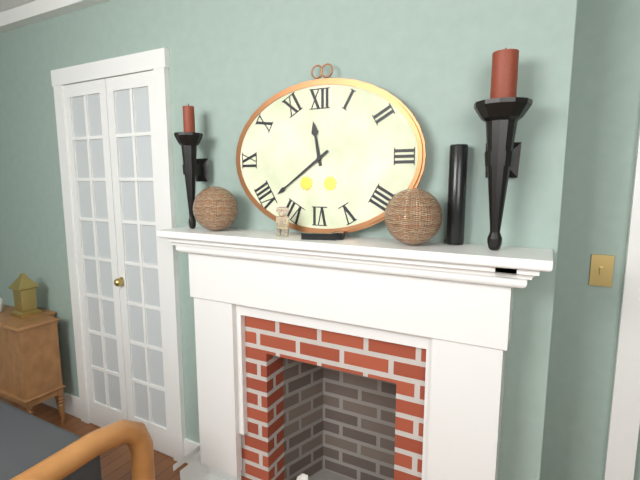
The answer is 11:39
